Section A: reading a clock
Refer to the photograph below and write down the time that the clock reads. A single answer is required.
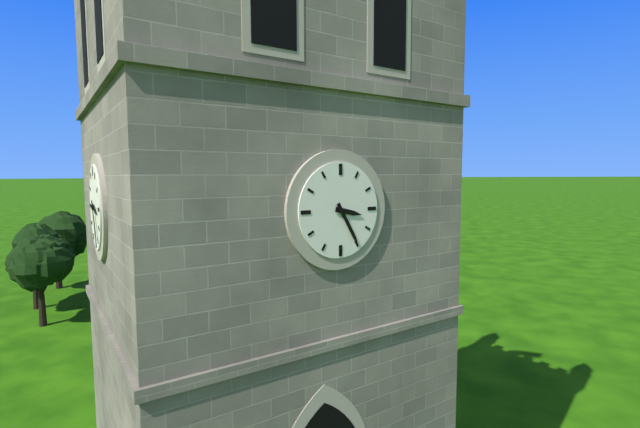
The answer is 3:25
